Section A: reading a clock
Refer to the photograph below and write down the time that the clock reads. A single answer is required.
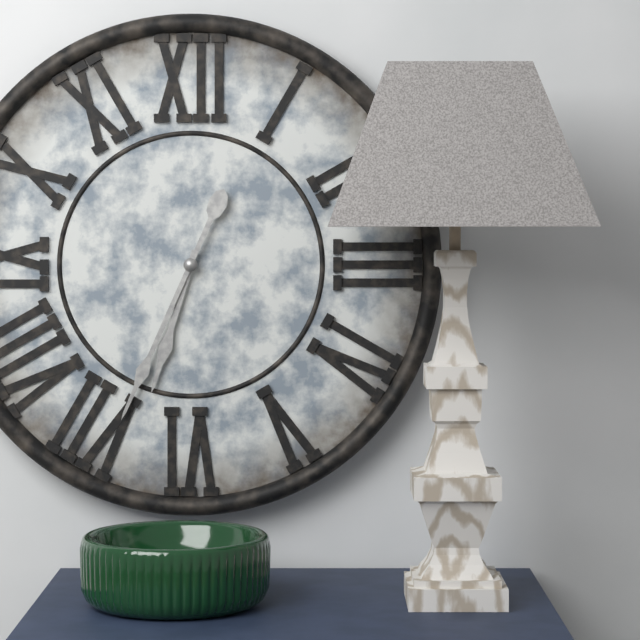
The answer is 6:34
